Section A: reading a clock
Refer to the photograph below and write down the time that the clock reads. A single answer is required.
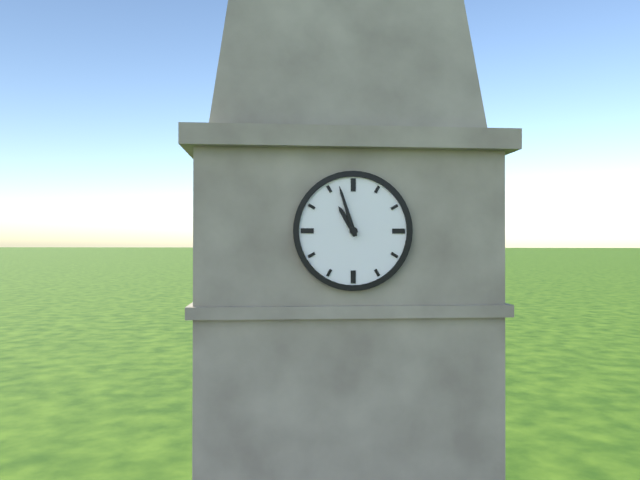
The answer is 10:57
